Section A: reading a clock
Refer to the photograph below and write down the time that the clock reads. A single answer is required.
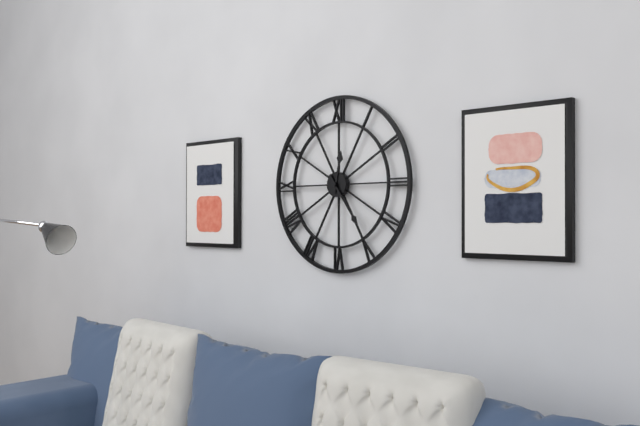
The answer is 12:24
